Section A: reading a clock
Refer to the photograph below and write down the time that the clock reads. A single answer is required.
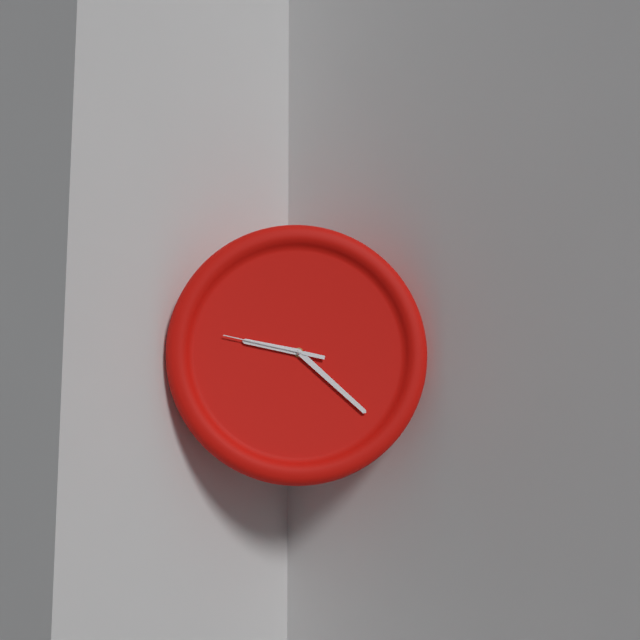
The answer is 9:22:47
